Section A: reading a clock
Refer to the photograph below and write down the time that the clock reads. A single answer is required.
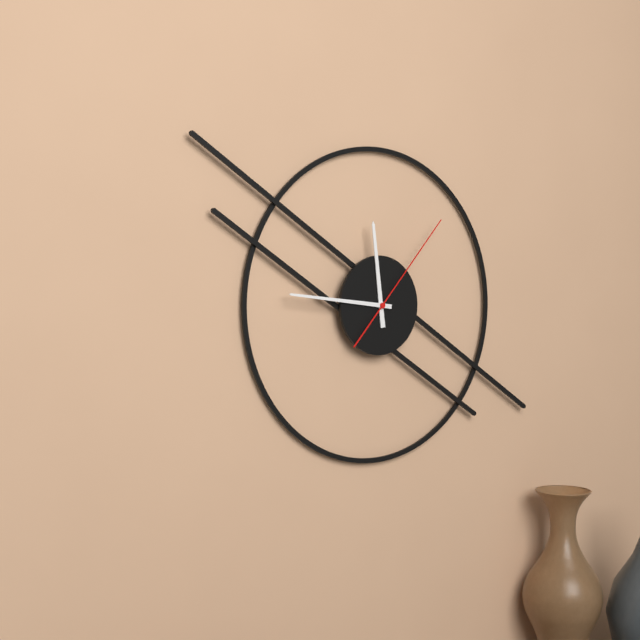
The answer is 11:46:07
